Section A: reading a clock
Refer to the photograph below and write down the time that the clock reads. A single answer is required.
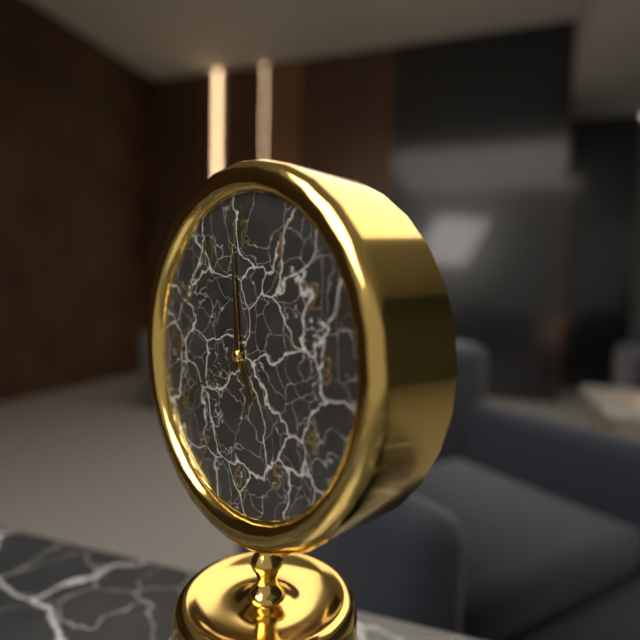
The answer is 4:59:40
